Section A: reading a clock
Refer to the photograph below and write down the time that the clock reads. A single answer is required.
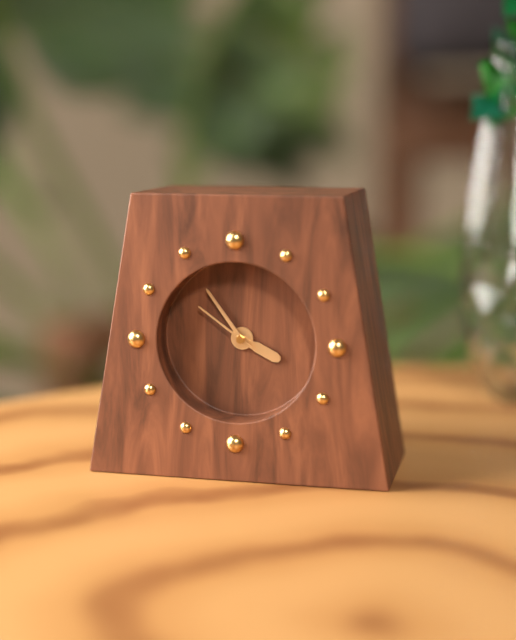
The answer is 3:54:51
